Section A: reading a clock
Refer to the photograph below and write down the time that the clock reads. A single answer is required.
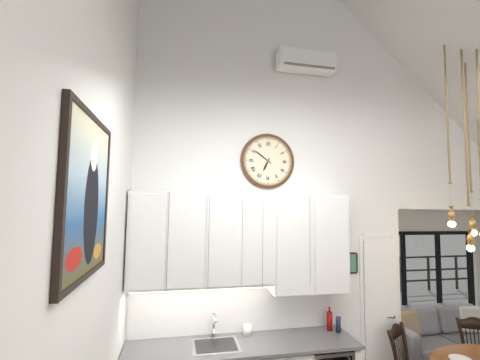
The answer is 6:51
